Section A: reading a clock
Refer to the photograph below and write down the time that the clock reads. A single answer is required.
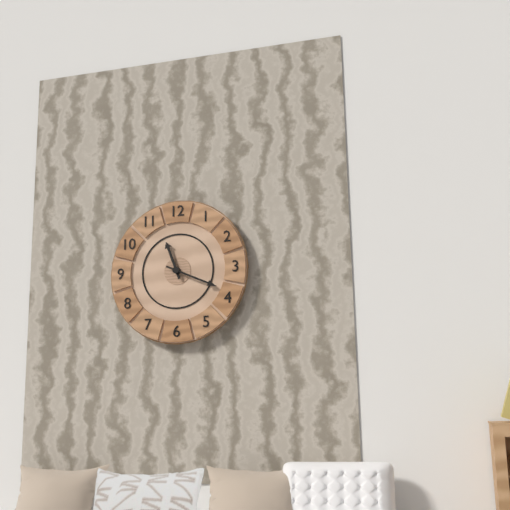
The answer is 11:19
